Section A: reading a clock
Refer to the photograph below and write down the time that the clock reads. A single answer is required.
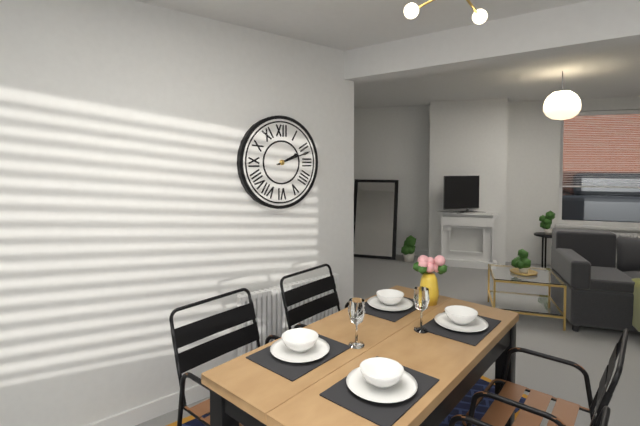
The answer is 2:12
